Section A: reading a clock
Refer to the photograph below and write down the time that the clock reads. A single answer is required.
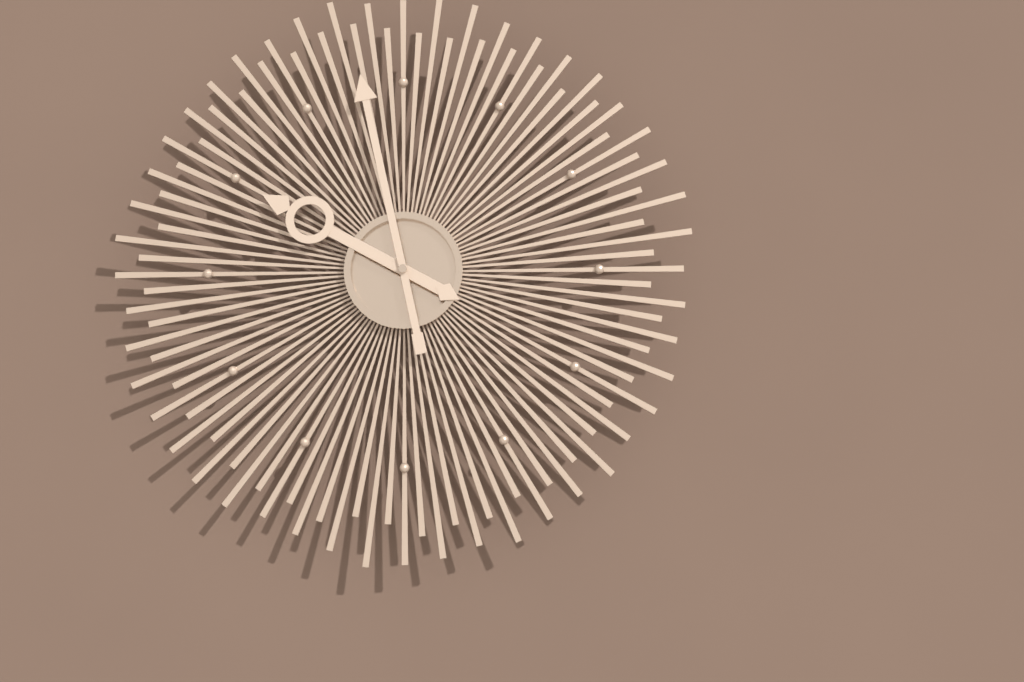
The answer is 9:58
